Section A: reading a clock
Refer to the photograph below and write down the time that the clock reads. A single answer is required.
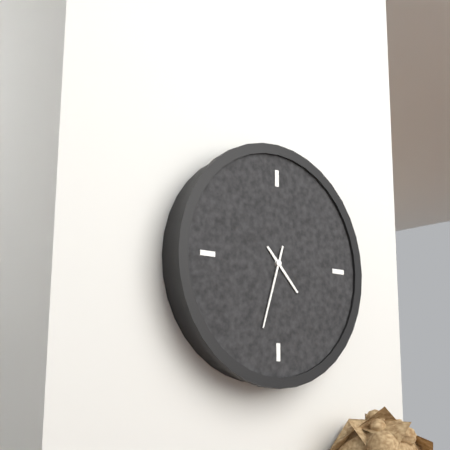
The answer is 4:33
